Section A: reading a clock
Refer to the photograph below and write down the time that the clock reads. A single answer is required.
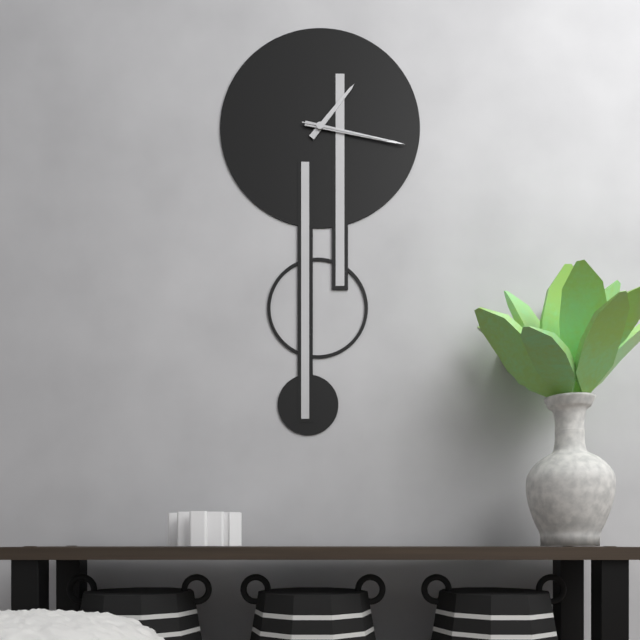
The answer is 1:17:17
